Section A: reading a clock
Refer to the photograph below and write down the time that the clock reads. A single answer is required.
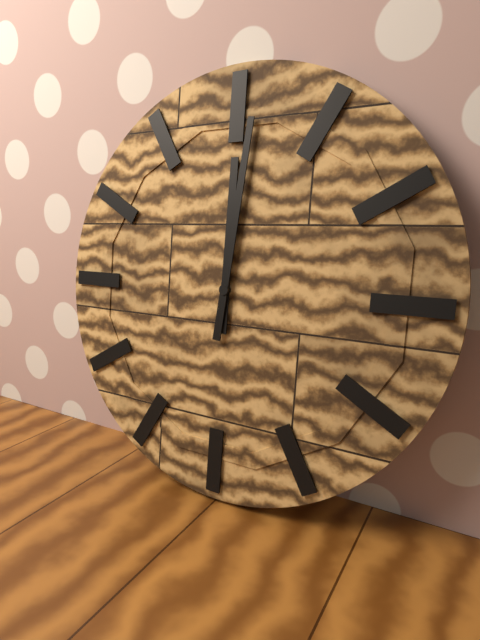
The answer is 12:01
